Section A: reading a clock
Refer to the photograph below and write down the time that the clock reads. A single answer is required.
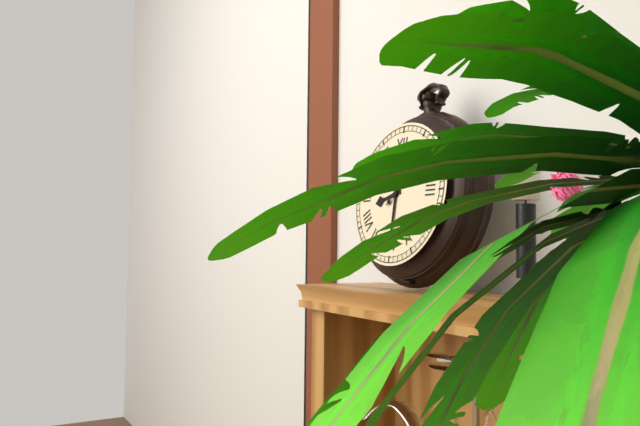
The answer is 8:30
